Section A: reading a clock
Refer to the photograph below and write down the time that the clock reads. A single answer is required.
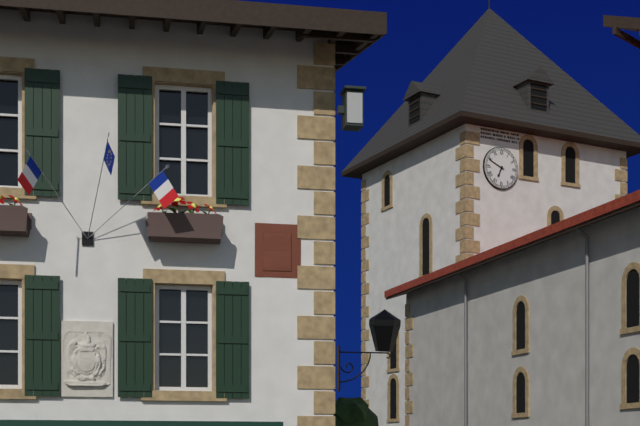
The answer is 6:49
